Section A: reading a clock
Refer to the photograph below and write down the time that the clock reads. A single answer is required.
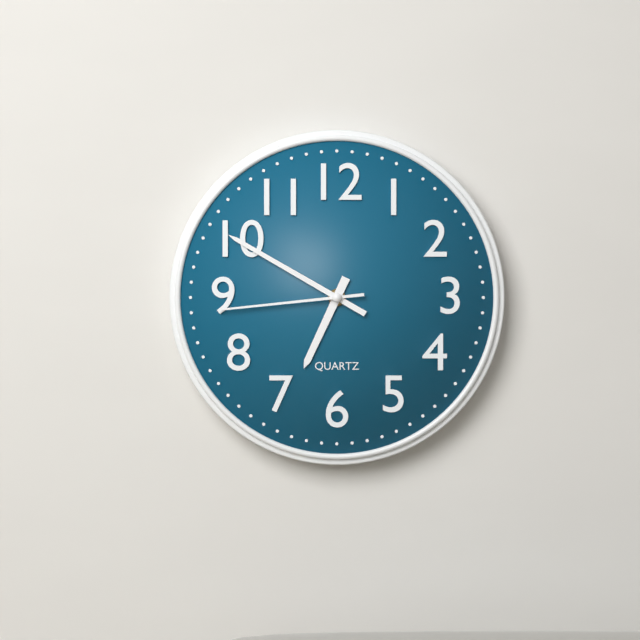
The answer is 6:50:44
